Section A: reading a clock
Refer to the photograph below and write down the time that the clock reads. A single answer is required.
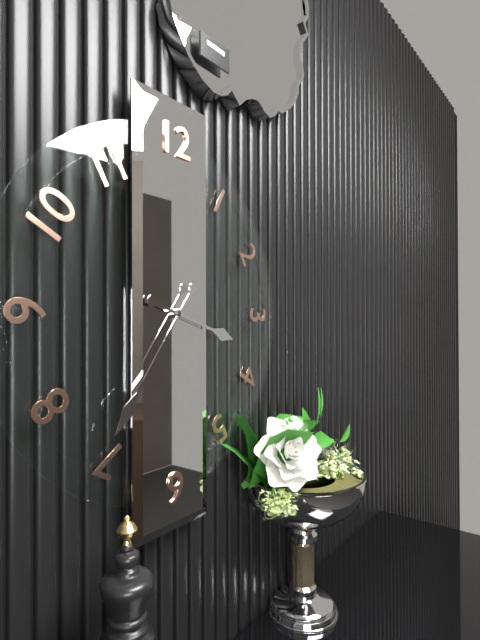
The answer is 3:36
